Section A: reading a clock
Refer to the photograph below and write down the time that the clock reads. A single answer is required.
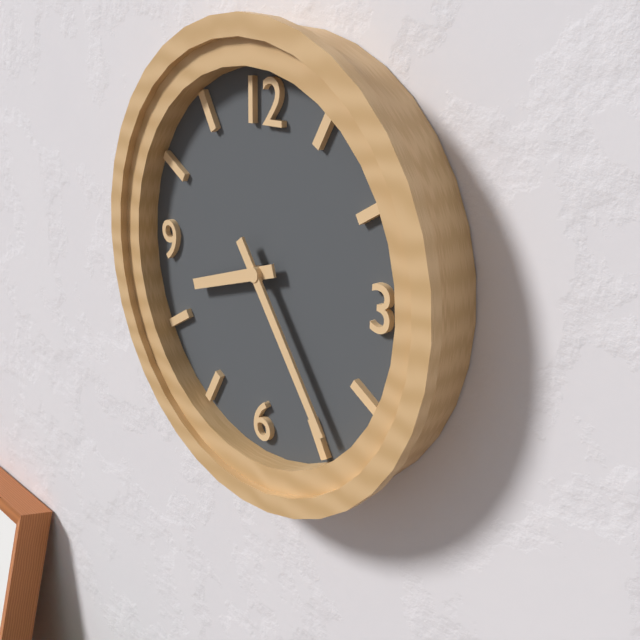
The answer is 8:24
